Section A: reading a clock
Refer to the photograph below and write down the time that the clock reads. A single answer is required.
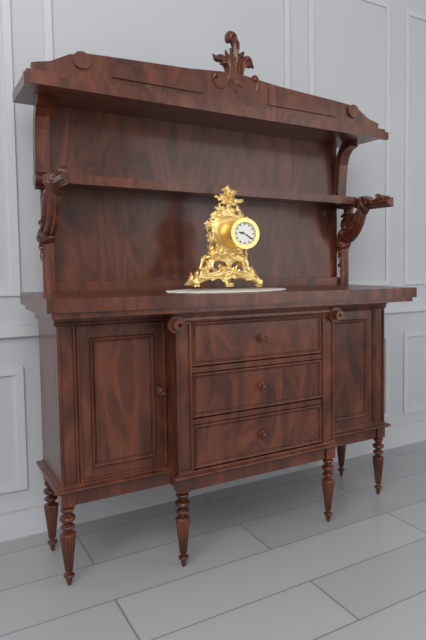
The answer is 9:21
